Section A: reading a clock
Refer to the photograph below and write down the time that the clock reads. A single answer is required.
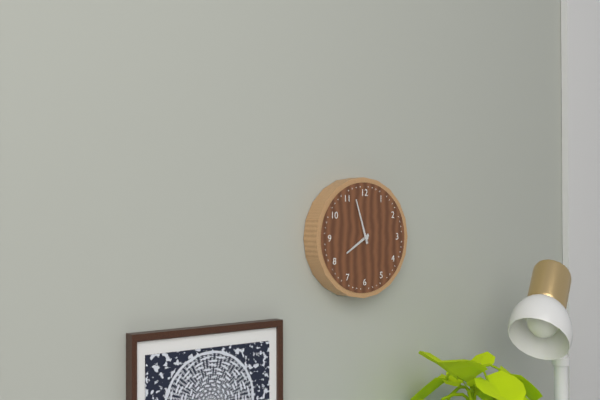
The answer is 7:57
